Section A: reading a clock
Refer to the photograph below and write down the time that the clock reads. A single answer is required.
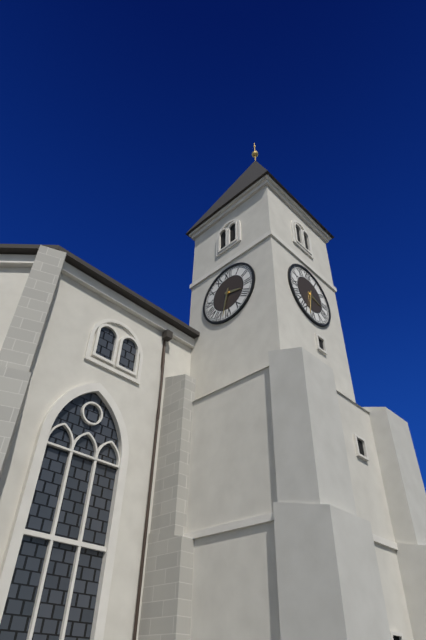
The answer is 3:32
